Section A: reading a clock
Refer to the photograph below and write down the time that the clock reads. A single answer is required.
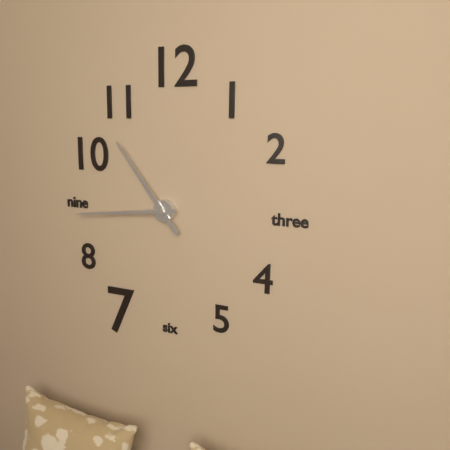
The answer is 10:44
